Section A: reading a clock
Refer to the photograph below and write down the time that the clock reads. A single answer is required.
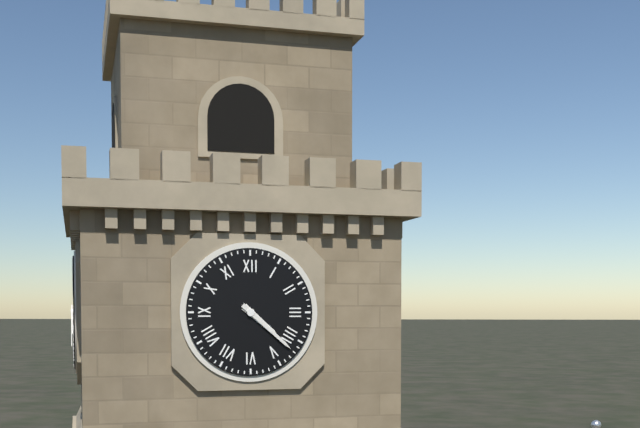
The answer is 4:22
